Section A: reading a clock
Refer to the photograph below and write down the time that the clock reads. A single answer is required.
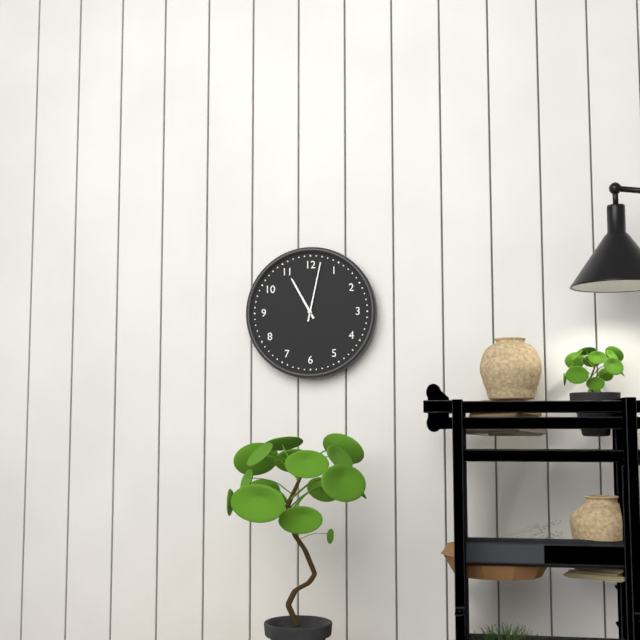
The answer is 11:02
